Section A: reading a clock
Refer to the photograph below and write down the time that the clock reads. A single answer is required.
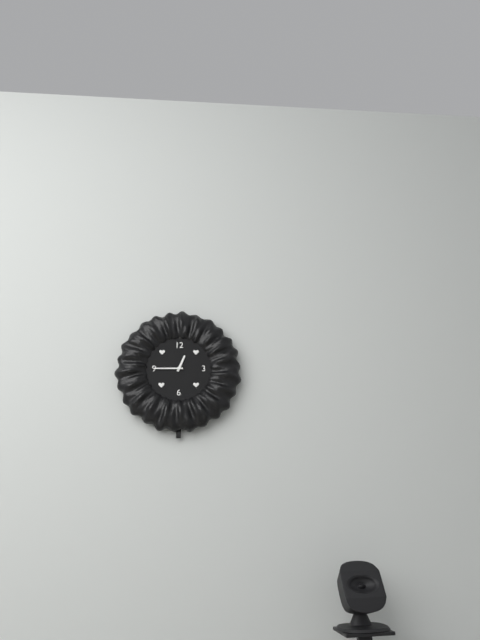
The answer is 12:45
